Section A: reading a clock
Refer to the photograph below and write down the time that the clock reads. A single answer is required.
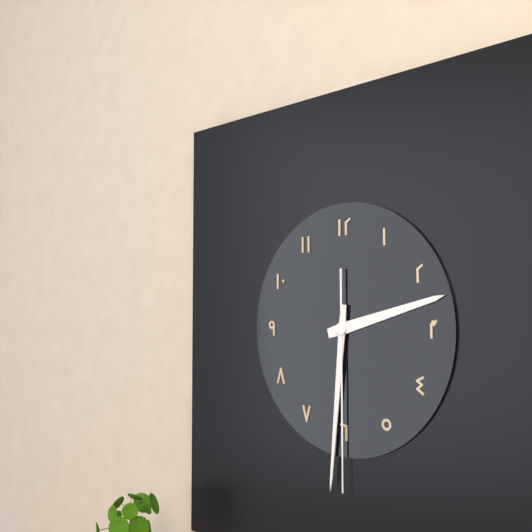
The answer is 2:31:30
